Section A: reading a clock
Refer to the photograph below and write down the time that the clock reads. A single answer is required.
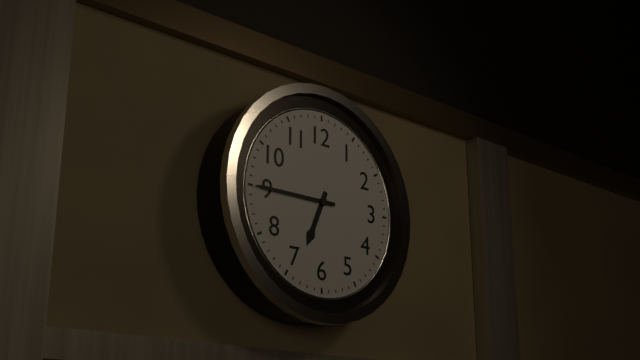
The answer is 6:45
